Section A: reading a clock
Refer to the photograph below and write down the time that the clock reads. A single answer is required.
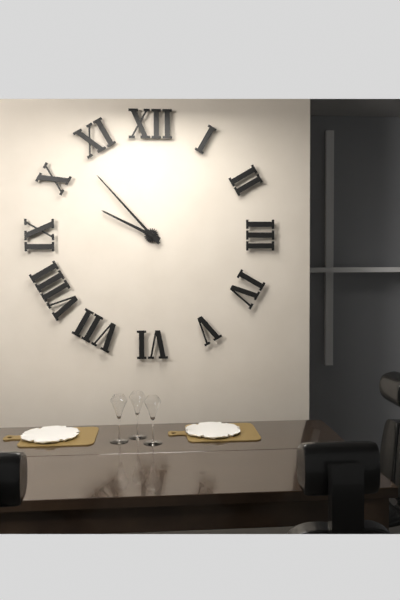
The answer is 9:53
